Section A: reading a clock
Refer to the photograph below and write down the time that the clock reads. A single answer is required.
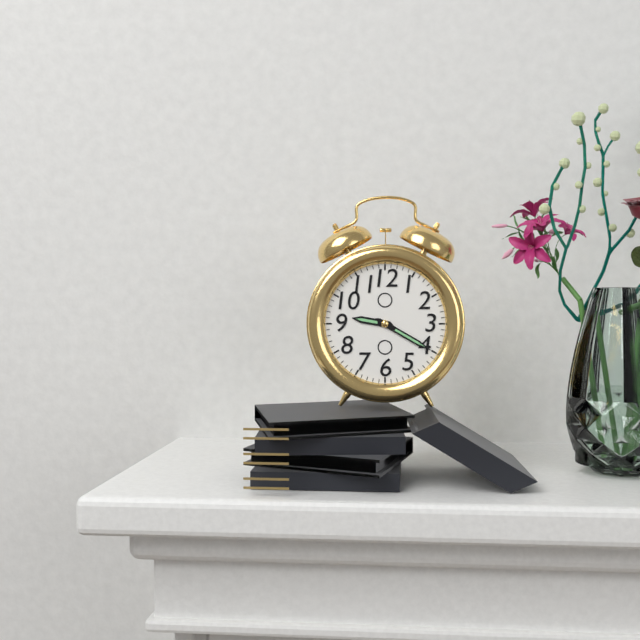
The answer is 9:20
